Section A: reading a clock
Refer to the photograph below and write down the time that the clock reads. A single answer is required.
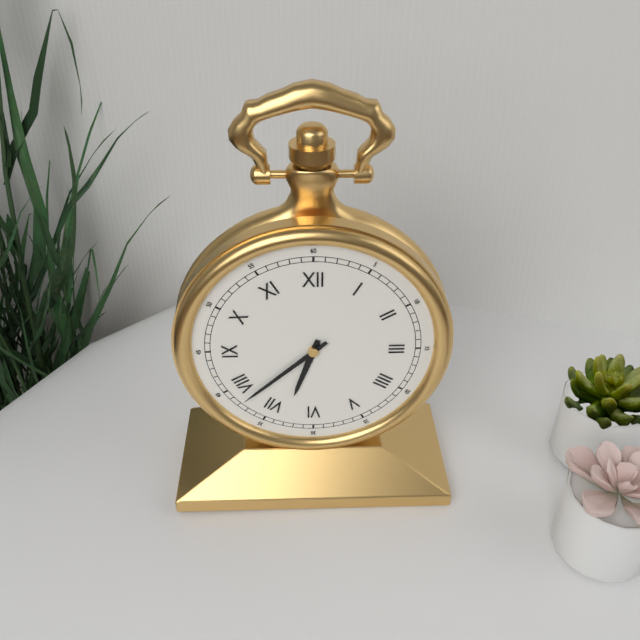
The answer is 6:38
